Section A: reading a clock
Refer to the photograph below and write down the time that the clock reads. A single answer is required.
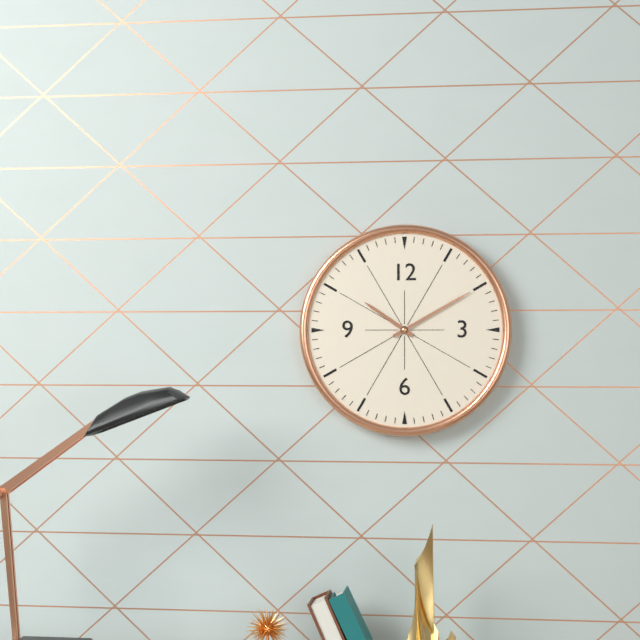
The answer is 10:10
